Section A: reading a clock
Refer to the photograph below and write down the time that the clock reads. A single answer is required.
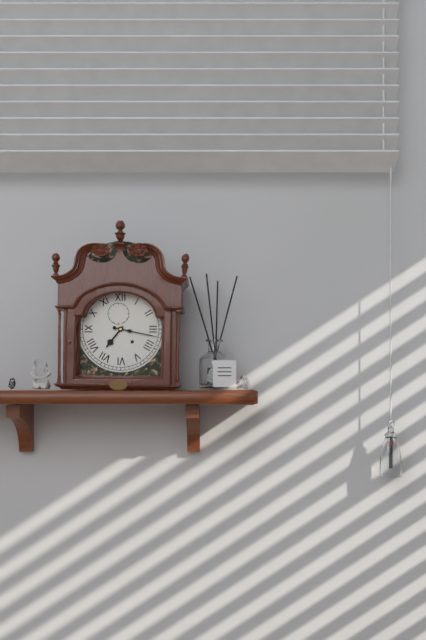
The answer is 7:17
